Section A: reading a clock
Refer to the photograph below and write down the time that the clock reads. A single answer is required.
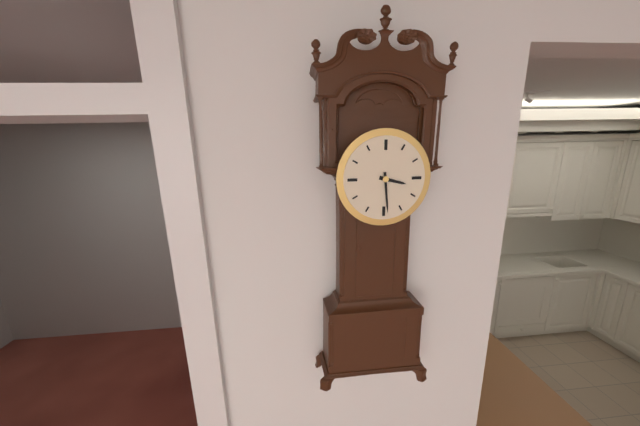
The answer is 3:29
